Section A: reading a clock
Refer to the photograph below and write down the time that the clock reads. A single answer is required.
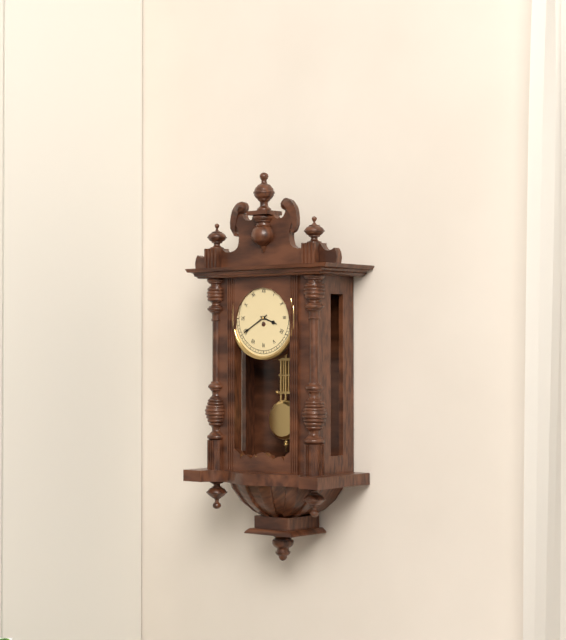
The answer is 3:40
